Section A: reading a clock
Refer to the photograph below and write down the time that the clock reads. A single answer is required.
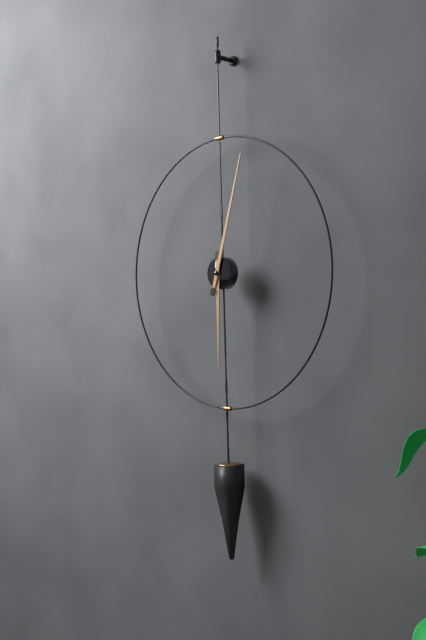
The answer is 6:03
